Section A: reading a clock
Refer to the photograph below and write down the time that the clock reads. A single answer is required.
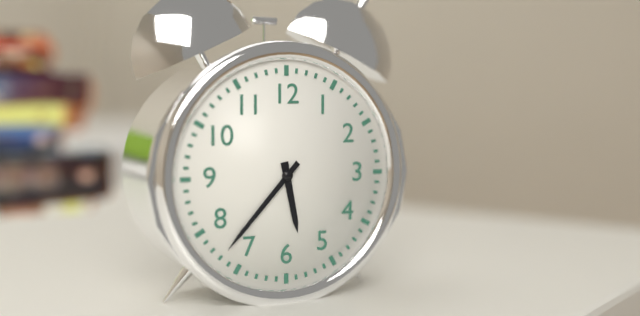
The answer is 5:37
